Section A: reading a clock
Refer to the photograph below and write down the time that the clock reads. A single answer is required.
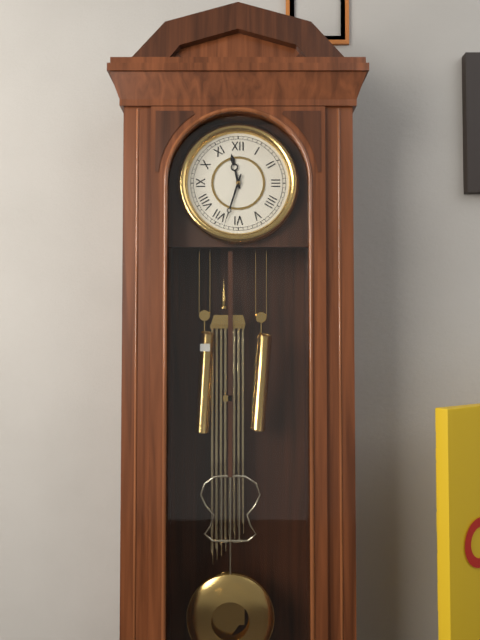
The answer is 11:33
